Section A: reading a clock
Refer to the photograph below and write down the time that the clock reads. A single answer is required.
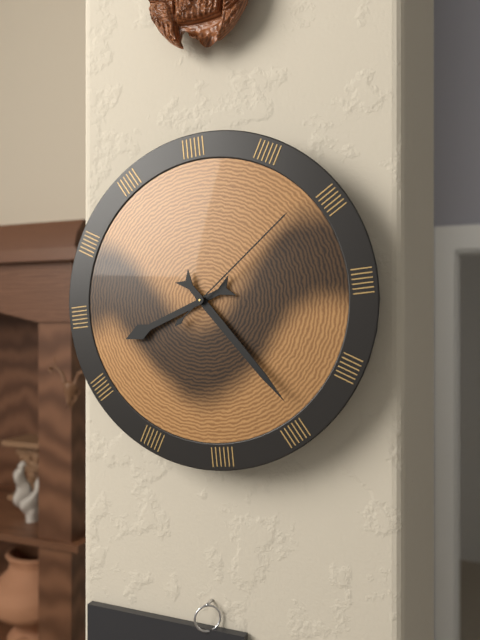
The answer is 8:24:09
